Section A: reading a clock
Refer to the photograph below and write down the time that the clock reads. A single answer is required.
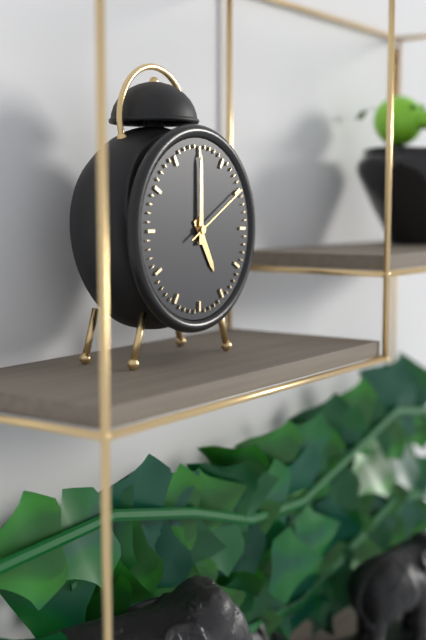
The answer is 5:00:10
